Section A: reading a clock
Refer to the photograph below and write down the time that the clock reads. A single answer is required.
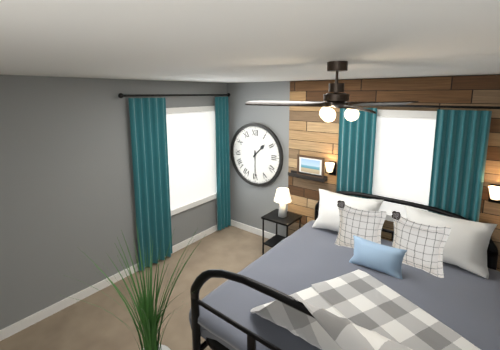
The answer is 1:30
